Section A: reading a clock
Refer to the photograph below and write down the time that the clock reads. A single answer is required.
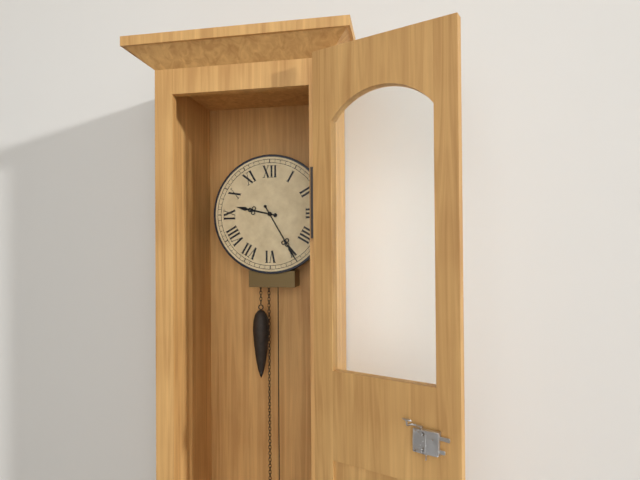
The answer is 9:25
